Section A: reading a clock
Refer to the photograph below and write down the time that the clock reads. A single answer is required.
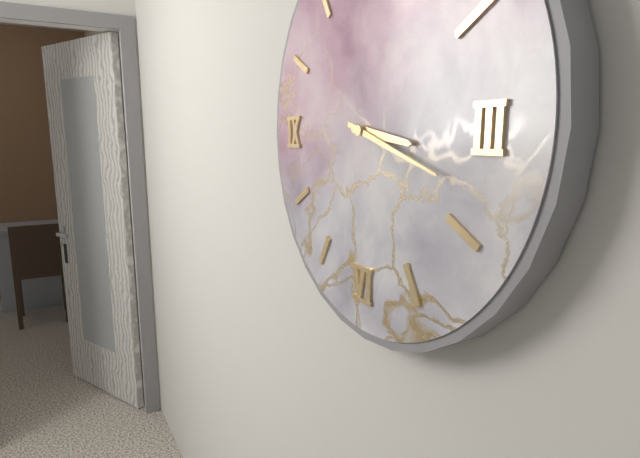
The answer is 3:18
